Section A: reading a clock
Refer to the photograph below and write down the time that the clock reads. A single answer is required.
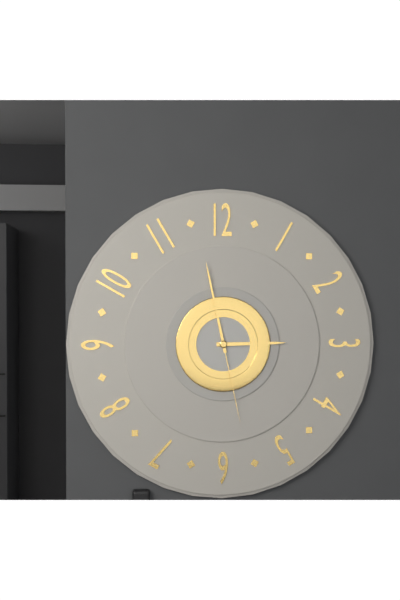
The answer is 2:58:28
